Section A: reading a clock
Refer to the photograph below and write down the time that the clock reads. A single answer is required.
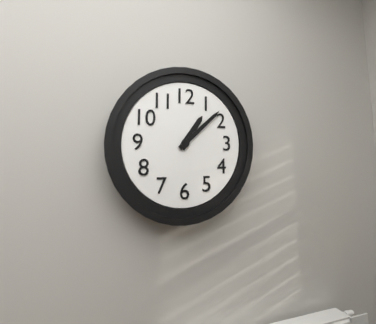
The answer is 1:08
